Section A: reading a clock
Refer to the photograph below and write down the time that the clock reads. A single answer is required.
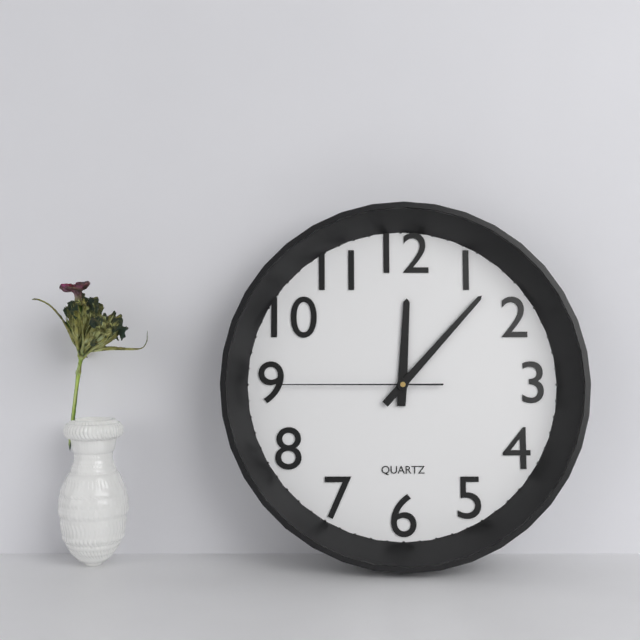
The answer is 12:07:45
